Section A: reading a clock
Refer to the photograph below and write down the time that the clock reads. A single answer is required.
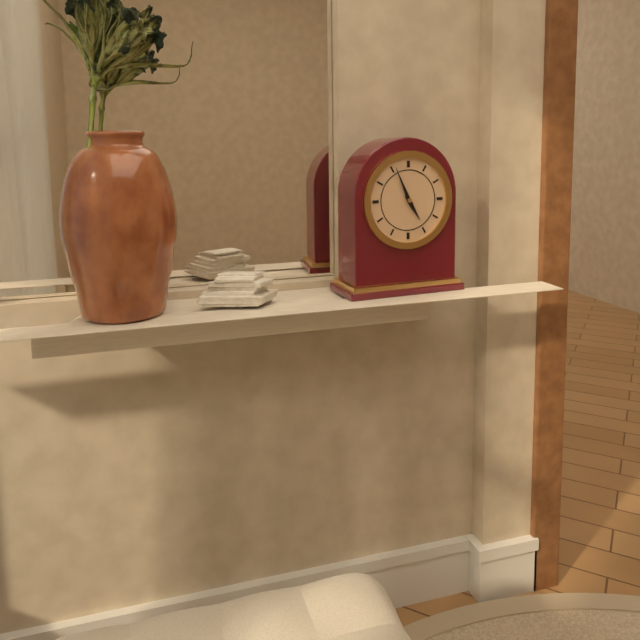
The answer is 4:56
